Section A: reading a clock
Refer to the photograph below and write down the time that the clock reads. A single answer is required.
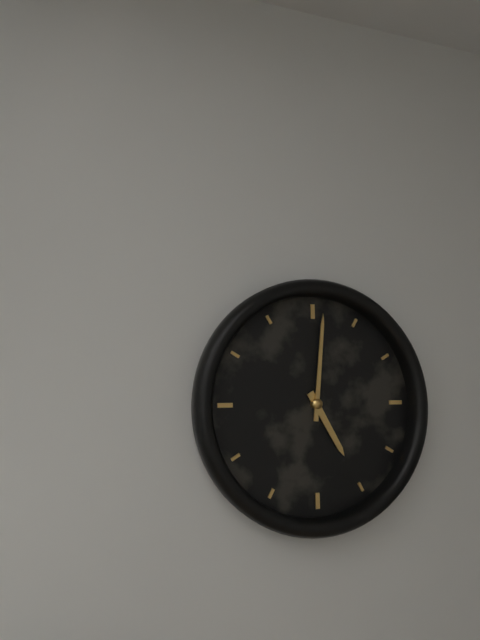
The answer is 5:01
